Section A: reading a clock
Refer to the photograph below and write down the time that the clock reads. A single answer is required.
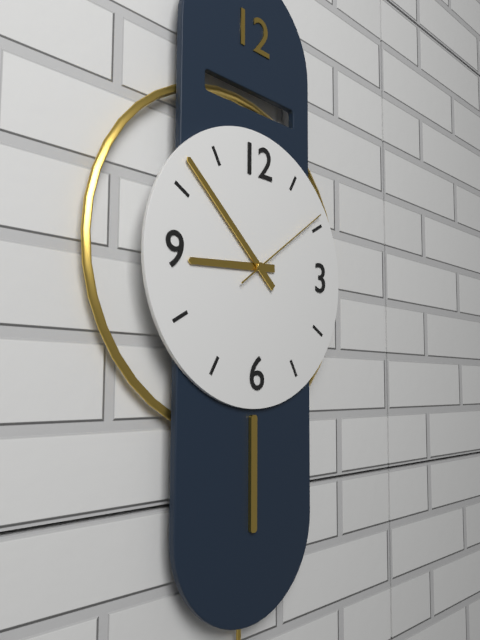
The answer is 8:52:09
